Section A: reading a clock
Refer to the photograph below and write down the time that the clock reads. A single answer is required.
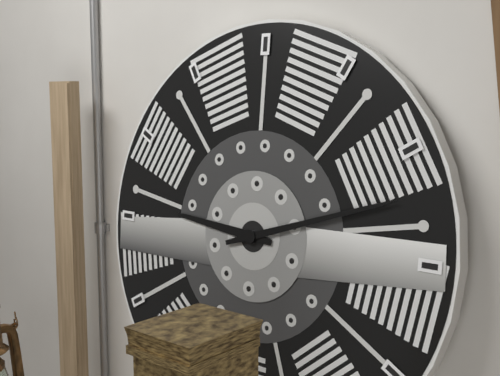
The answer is 9:12
